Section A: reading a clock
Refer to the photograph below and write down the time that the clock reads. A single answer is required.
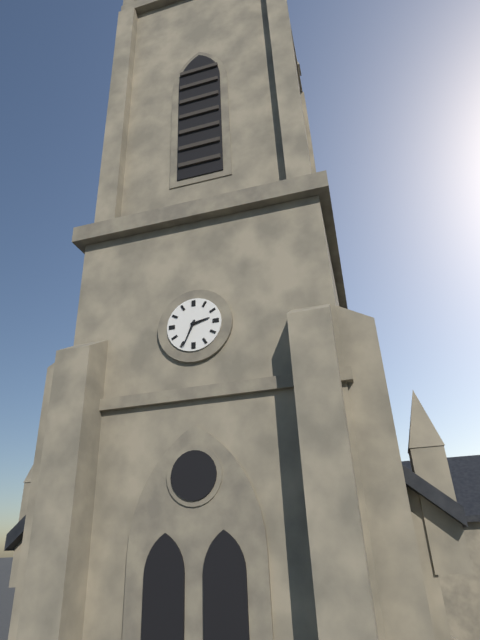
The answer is 2:34
